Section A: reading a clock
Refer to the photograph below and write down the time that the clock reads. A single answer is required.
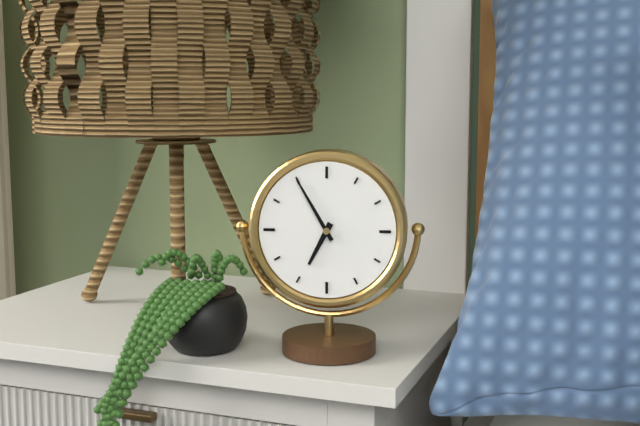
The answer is 6:55
